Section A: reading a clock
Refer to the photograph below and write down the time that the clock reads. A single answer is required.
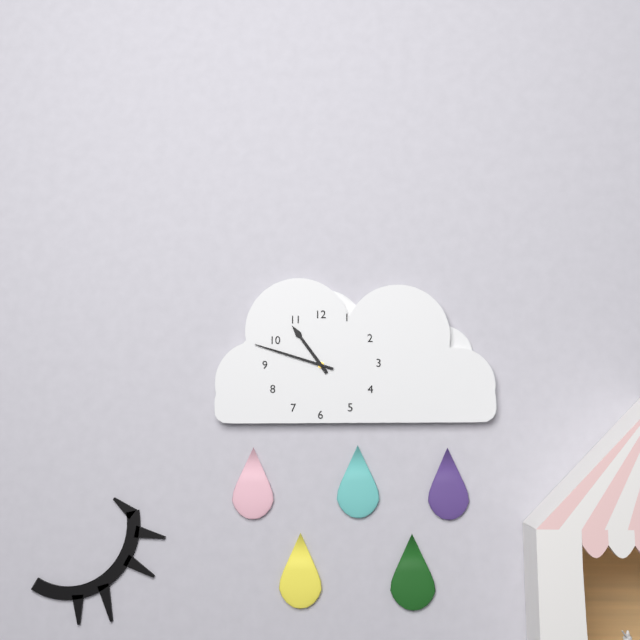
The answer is 10:48
